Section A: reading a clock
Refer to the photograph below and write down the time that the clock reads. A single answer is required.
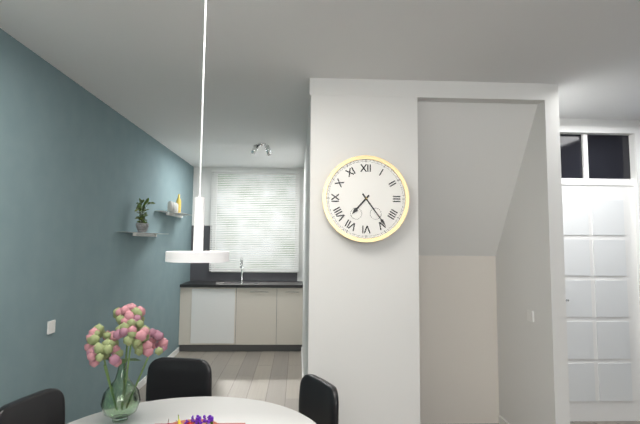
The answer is 7:24
